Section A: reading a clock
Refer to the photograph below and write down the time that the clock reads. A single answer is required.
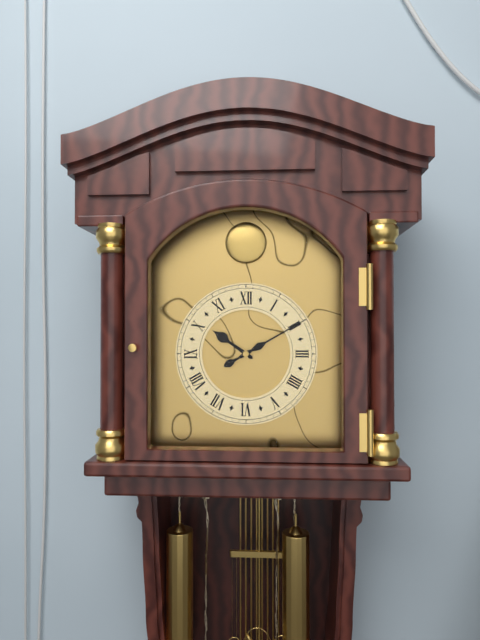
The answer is 10:10
